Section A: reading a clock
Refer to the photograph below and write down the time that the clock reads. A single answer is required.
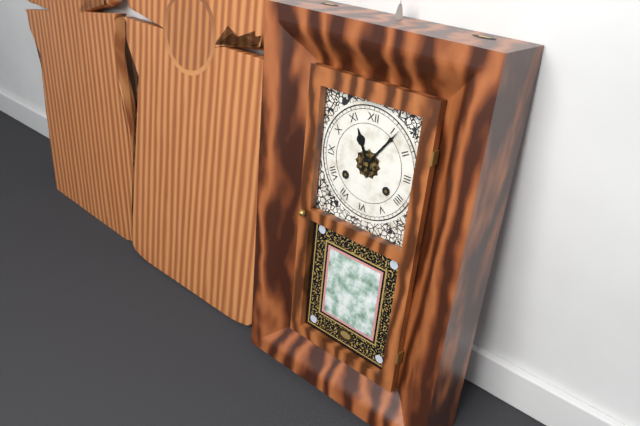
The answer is 11:06
